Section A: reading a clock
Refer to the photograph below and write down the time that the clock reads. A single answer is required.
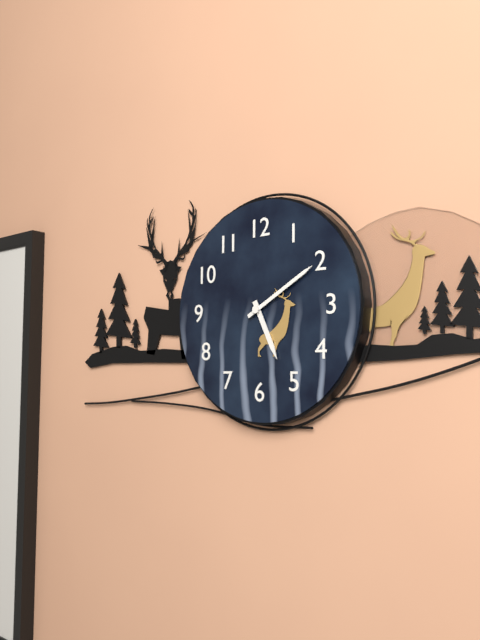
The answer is 5:10
